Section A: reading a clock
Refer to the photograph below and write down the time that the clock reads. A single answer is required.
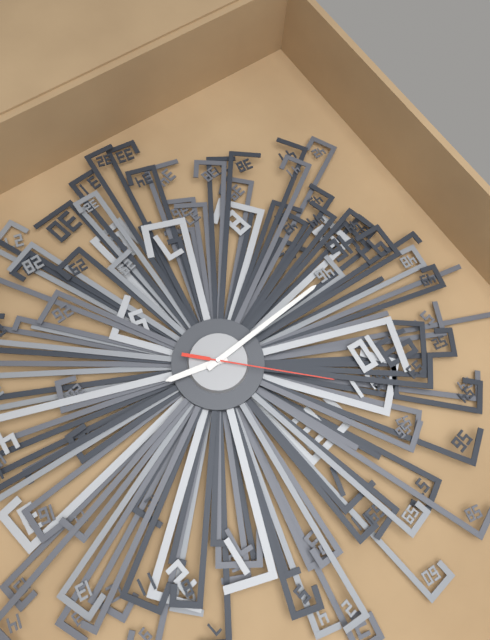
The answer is 3:46:54
